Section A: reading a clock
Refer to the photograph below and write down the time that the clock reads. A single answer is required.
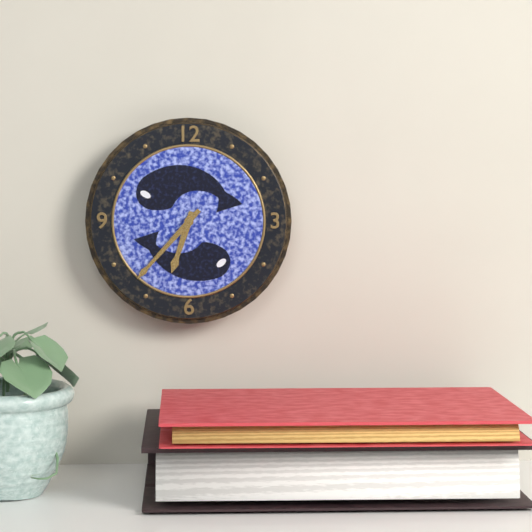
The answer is 6:37
